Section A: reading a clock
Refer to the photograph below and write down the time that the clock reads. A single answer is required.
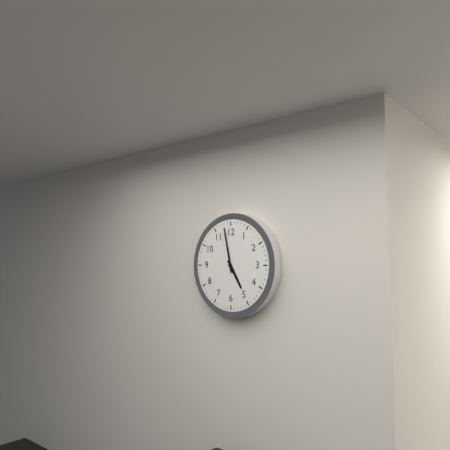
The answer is 4:58
